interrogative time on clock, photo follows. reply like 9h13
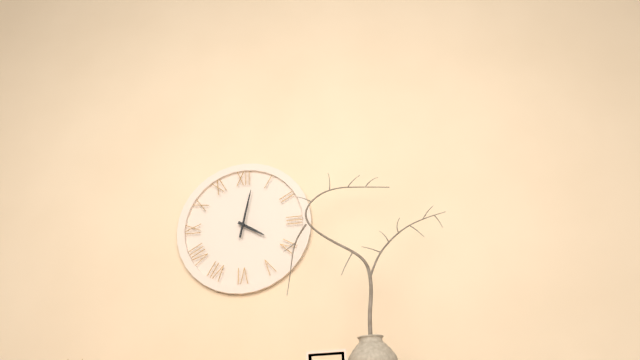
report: 4h02
